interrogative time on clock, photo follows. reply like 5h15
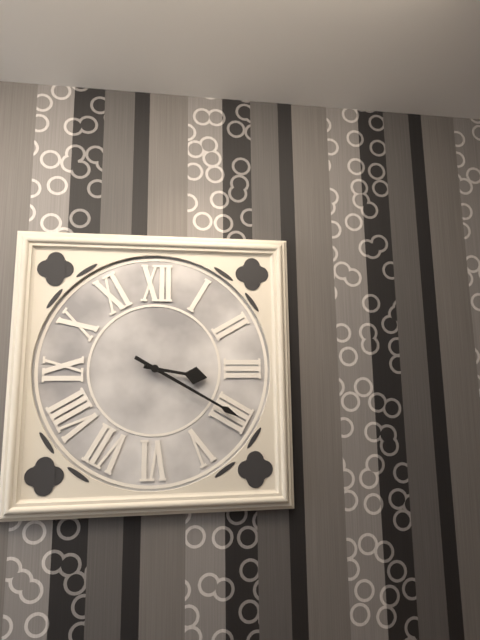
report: 3h20
